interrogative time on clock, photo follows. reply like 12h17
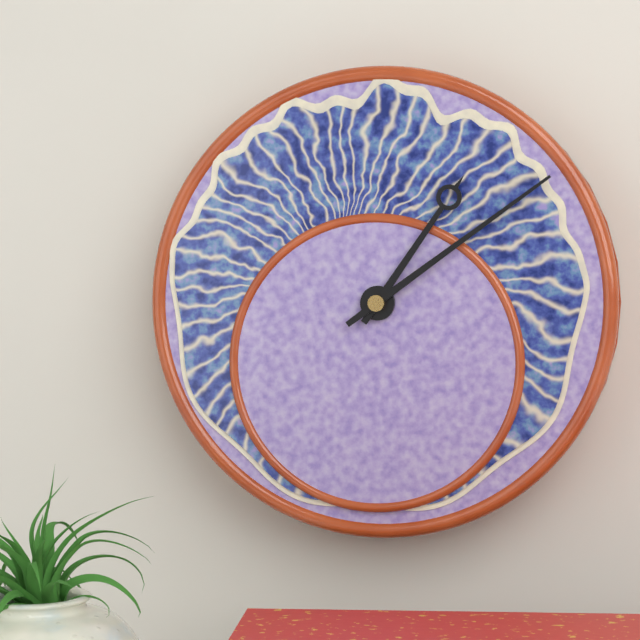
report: 1h09
